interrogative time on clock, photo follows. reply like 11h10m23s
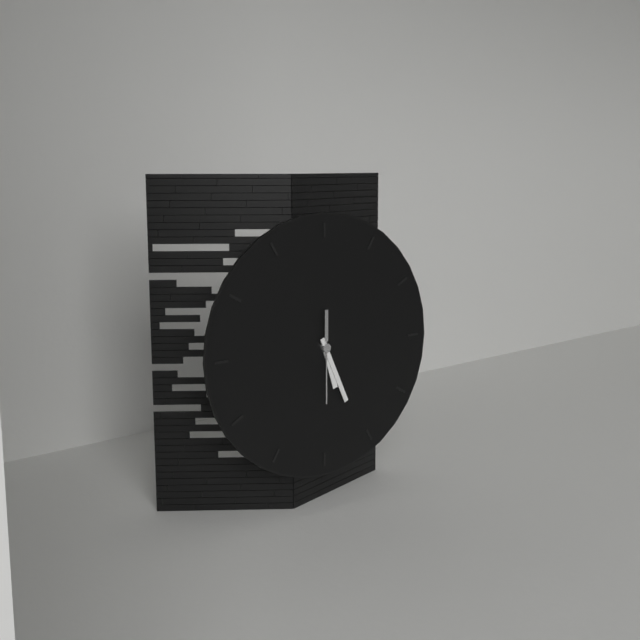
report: 5h26m30s
